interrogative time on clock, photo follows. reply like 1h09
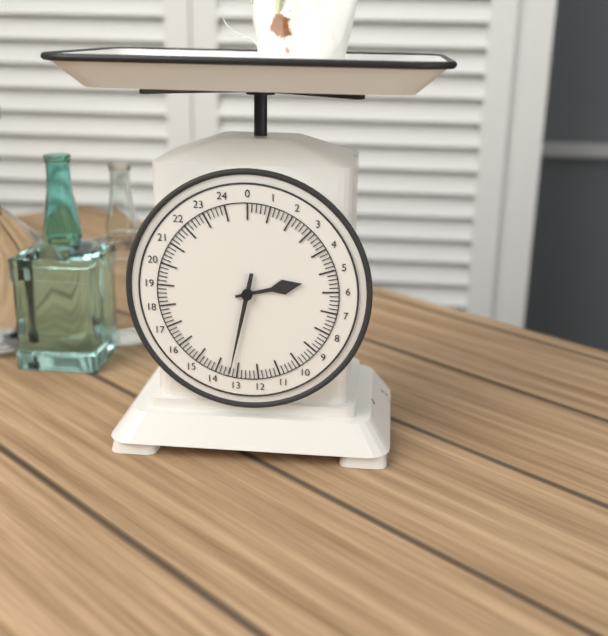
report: 2h32
